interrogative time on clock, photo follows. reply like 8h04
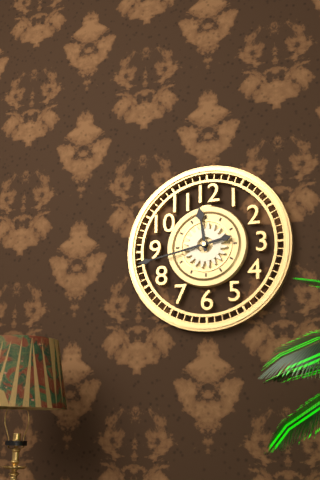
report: 11h43
